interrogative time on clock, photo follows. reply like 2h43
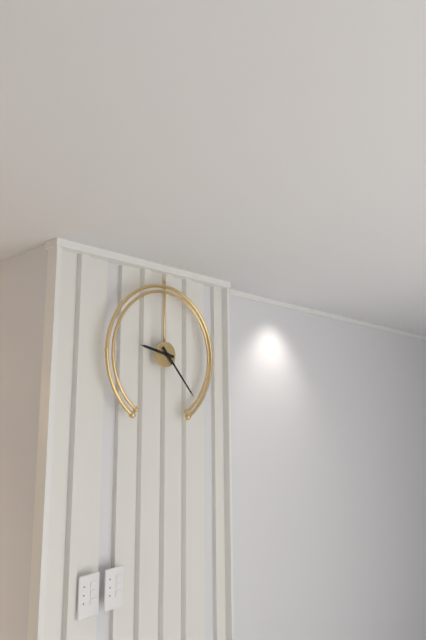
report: 9h23
